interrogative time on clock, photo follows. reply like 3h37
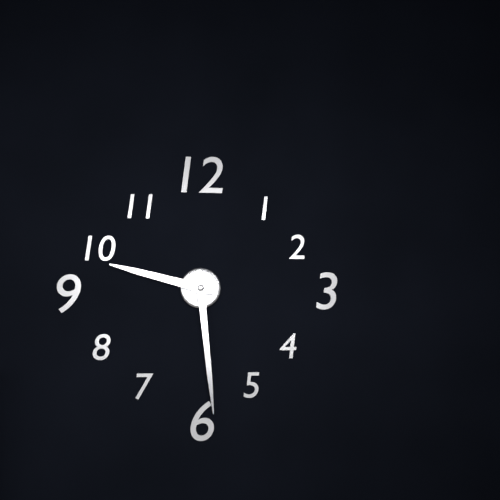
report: 9h29
